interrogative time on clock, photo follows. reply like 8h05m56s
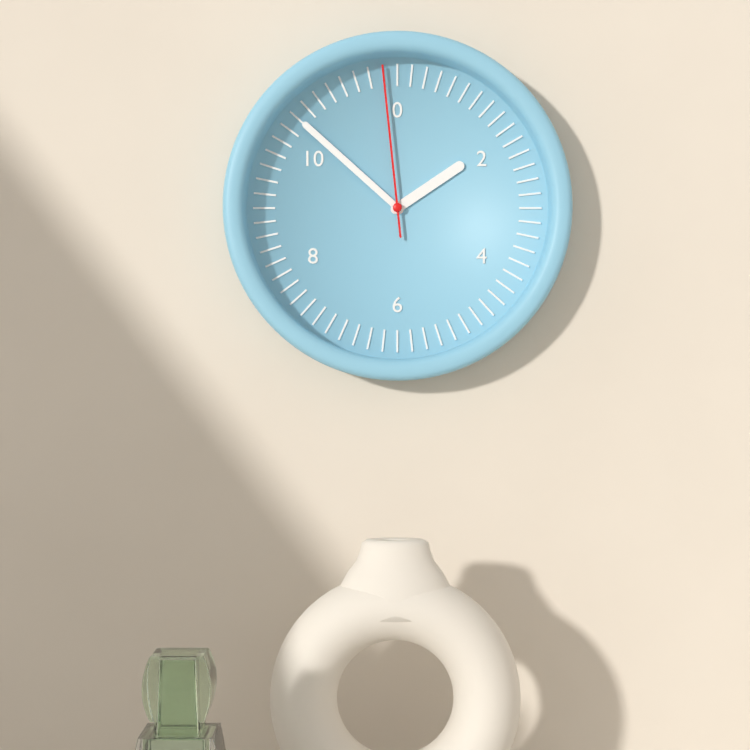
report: 1h52m59s
